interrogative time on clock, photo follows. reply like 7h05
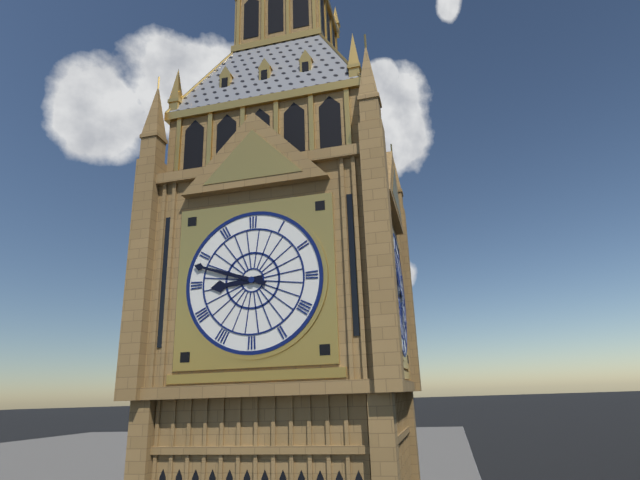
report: 8h48
